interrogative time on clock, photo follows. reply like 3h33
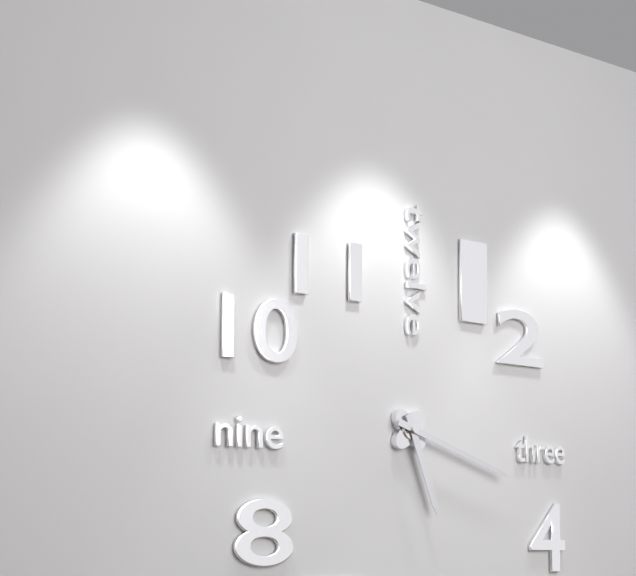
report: 5h18
